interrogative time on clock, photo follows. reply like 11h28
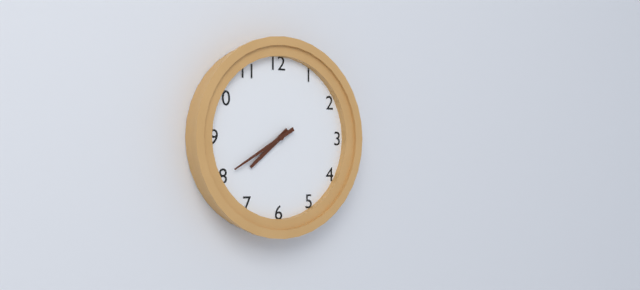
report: 7h40
